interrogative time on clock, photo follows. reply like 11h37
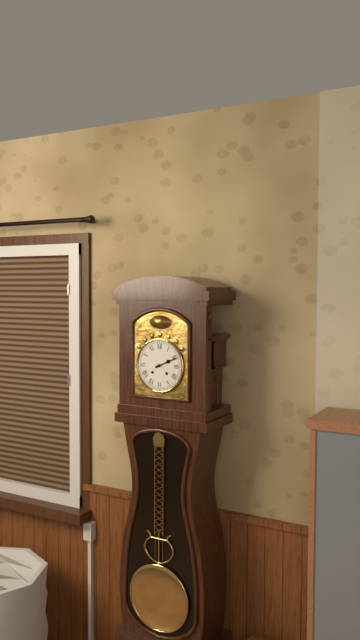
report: 2h11
